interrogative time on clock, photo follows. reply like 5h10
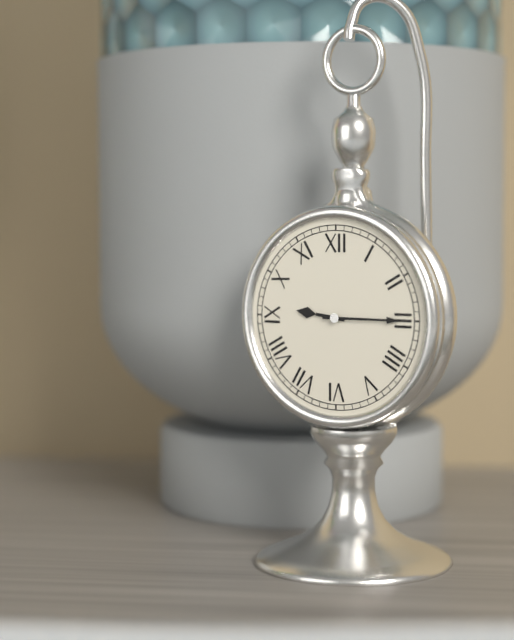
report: 9h15
